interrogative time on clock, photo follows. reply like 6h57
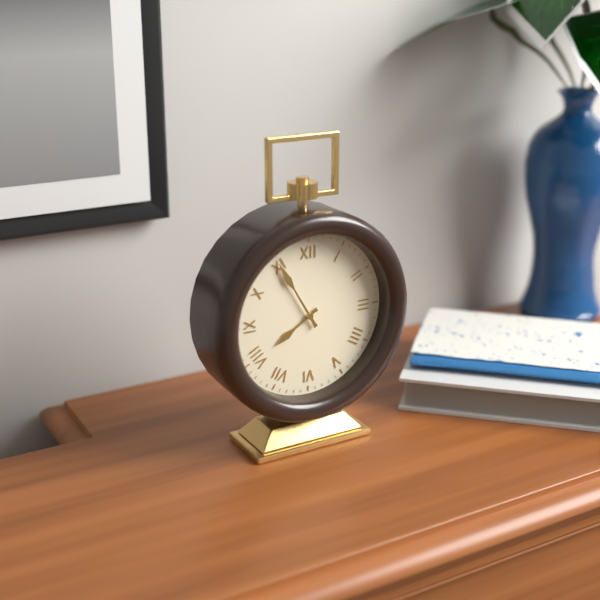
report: 7h55
